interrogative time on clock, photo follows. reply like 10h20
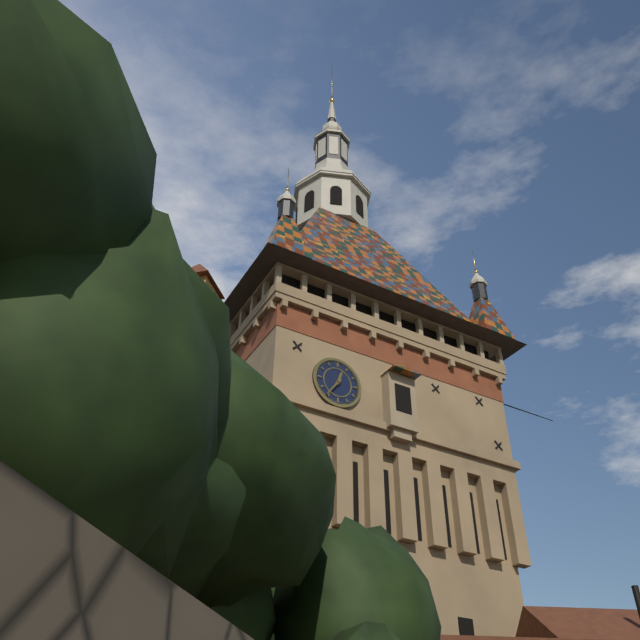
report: 12h36
